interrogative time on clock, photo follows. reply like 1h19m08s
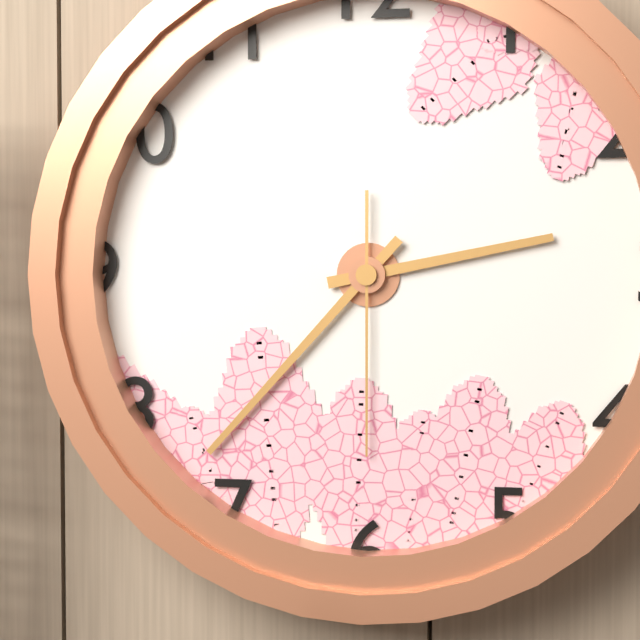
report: 2h37m30s
